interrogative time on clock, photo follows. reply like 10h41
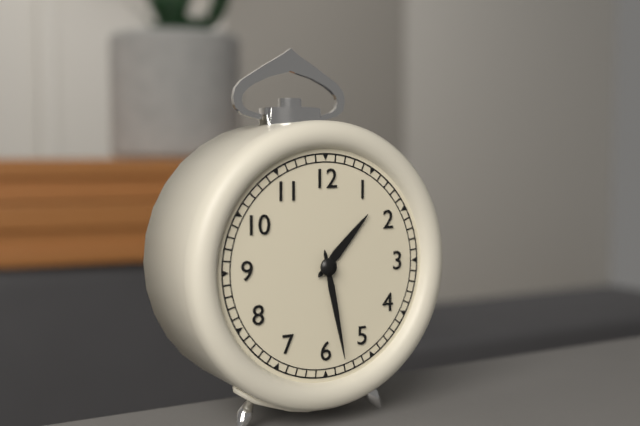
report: 1h28
